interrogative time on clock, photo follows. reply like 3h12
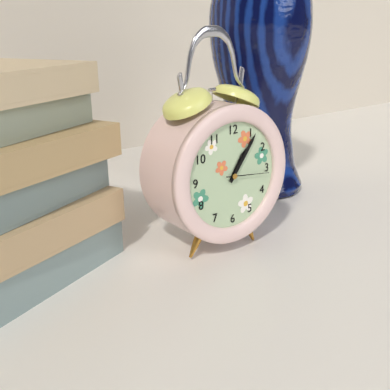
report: 1h06
